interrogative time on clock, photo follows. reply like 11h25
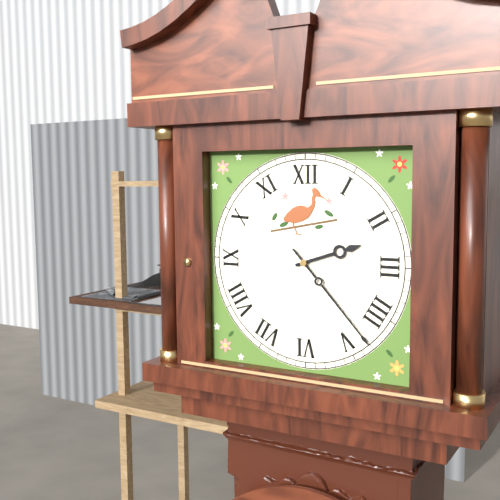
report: 2h23
